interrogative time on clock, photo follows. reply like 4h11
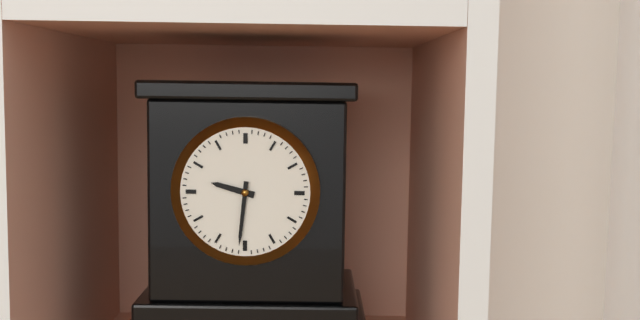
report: 9h31
